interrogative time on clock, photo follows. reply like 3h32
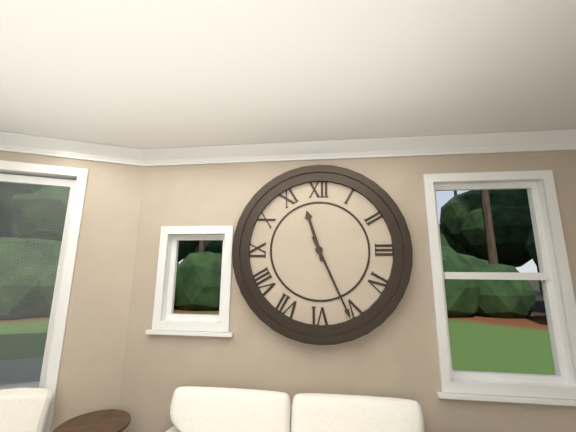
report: 11h26
